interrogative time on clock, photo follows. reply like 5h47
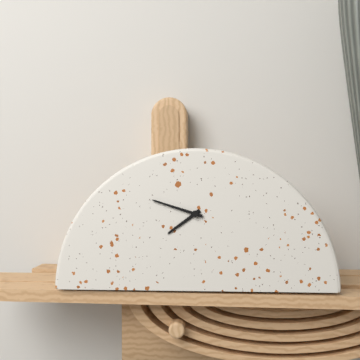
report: 7h48
